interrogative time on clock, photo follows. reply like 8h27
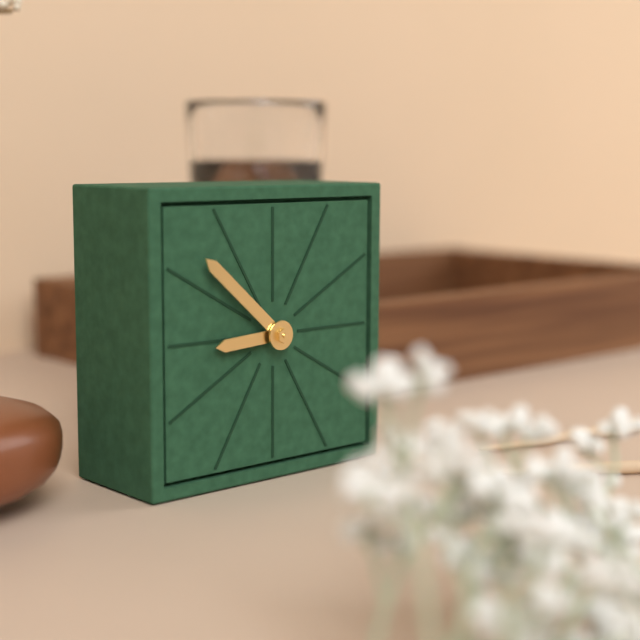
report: 8h52
